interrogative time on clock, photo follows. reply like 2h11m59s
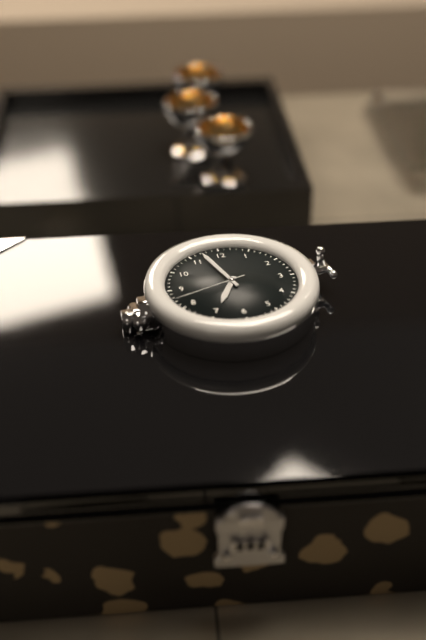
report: 6h57m42s
